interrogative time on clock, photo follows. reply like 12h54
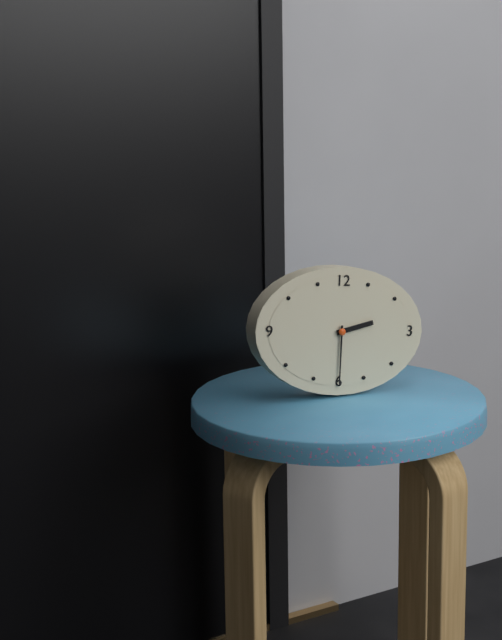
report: 2h30
